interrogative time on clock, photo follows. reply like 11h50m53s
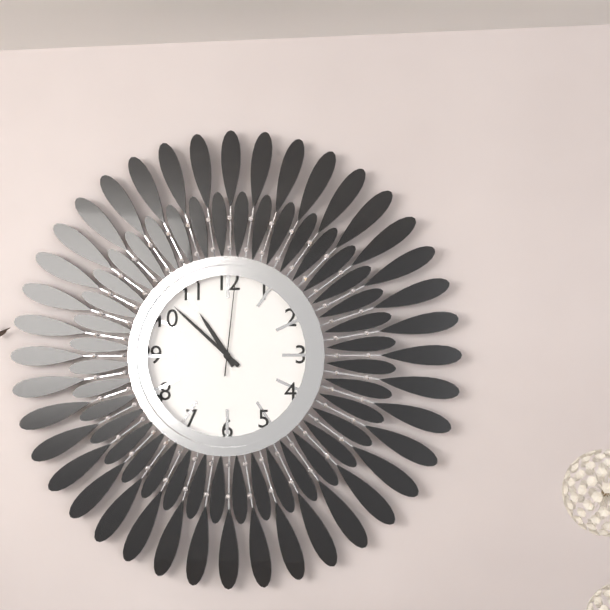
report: 10h52m01s
